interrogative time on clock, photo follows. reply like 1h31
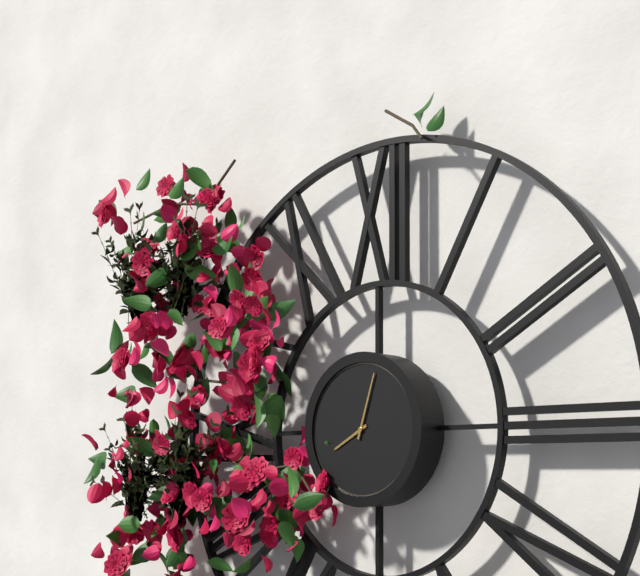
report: 8h03
